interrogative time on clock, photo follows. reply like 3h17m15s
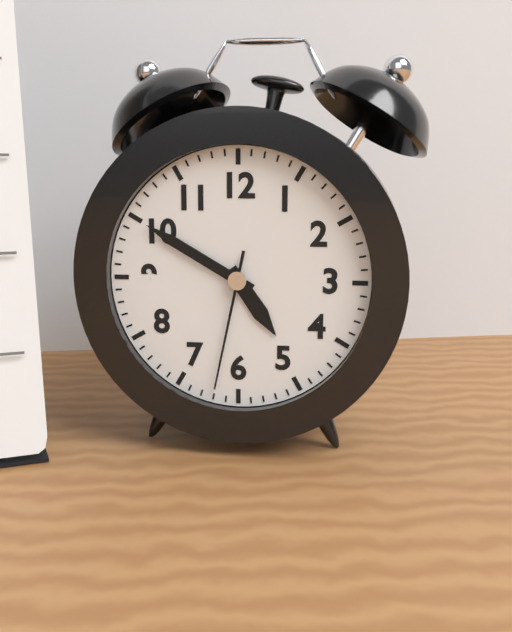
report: 4h50m32s
